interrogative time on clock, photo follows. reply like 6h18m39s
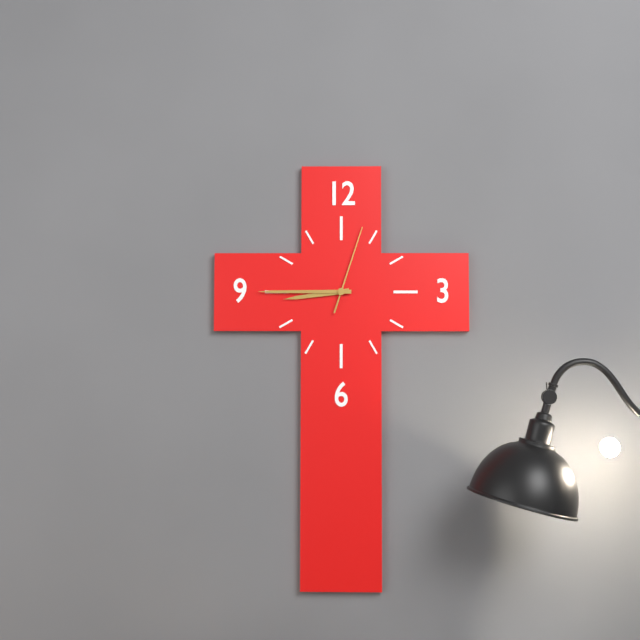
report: 8h45m03s
